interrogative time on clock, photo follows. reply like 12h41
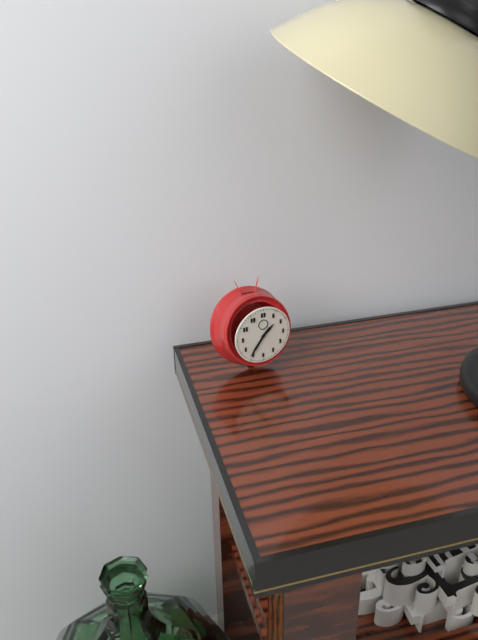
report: 1h36
